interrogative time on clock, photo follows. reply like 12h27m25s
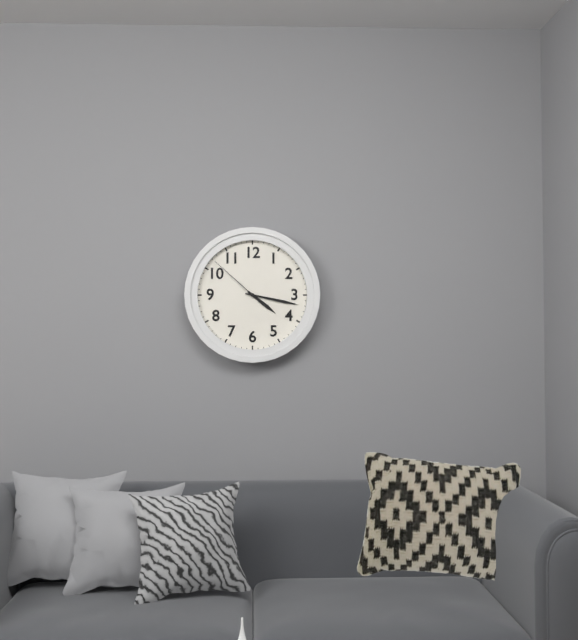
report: 4h17m52s
